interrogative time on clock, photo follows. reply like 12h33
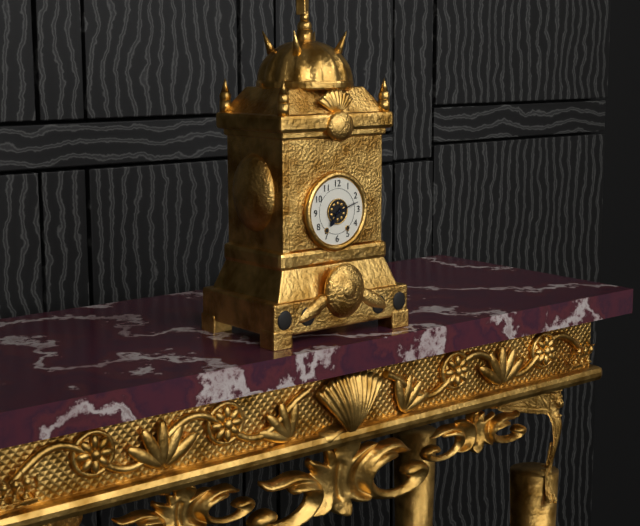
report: 7h12
